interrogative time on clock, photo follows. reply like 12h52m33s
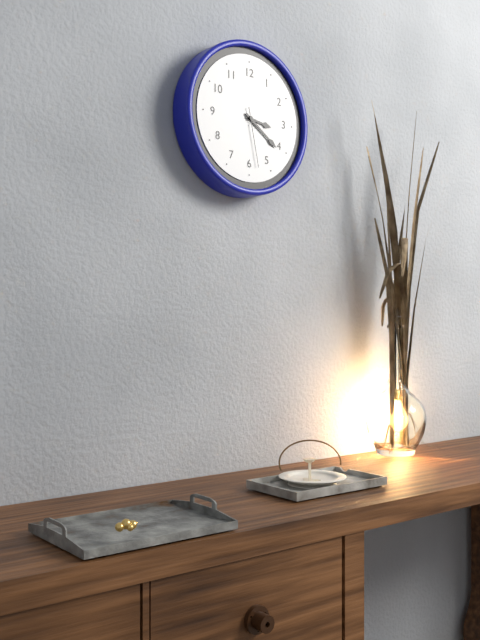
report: 3h21m28s
